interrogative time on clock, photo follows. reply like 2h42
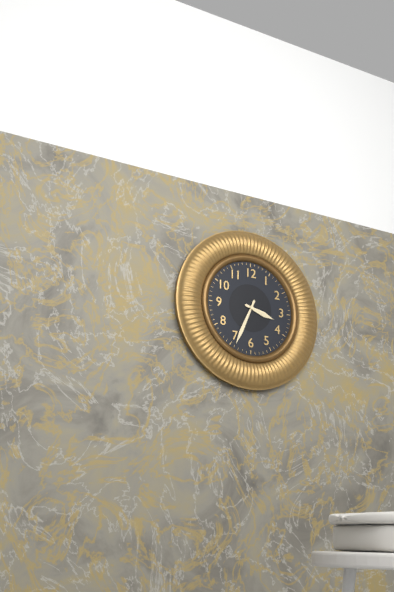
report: 3h34
